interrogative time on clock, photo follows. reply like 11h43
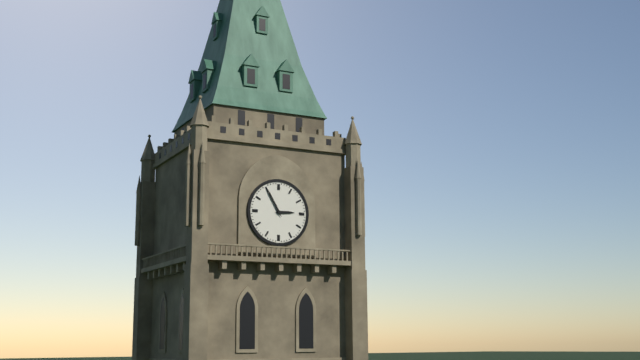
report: 2h55
